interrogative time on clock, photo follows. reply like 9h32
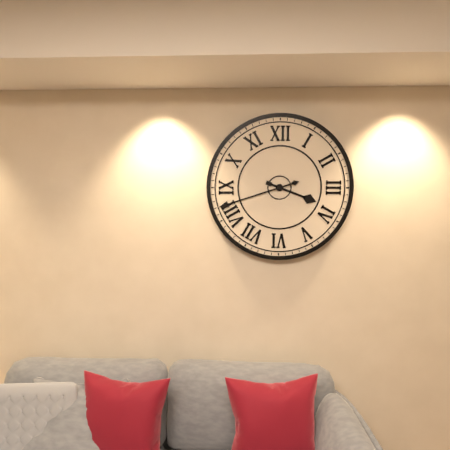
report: 3h42
